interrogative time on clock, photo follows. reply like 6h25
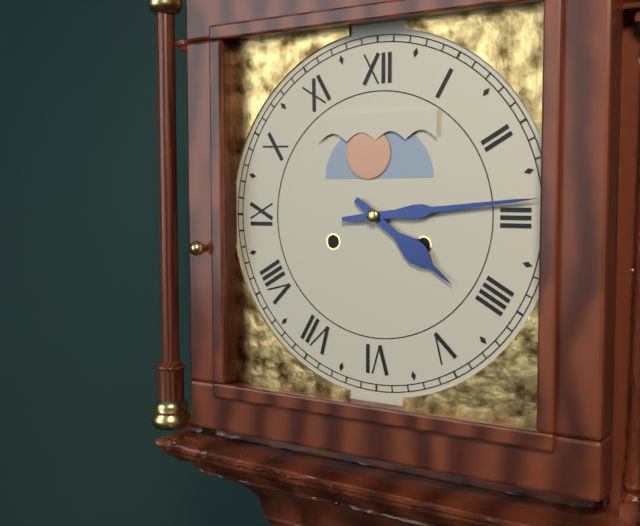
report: 4h14
